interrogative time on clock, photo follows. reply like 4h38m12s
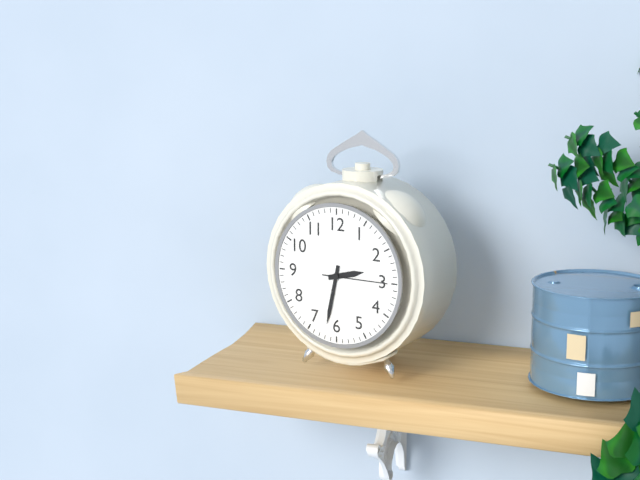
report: 2h32m15s
